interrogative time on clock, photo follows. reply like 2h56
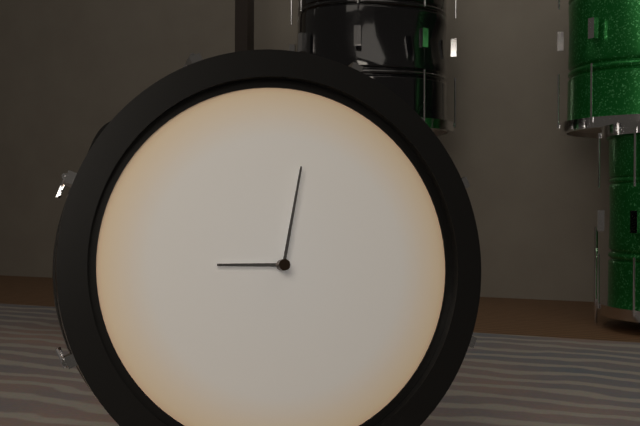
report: 9h02
